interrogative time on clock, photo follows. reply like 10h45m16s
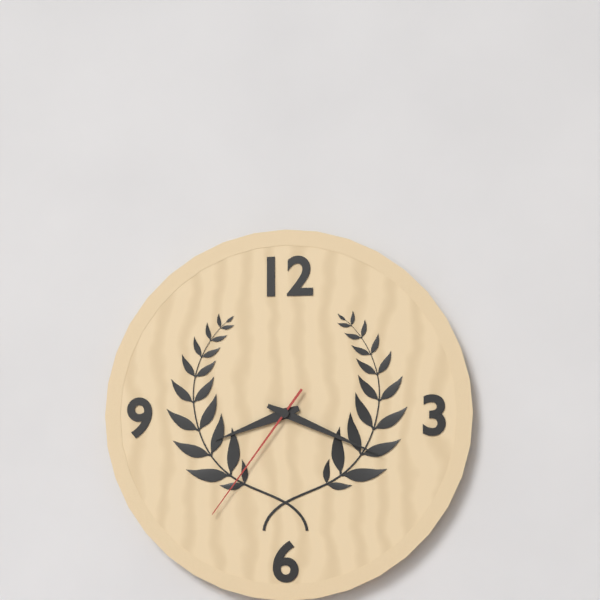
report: 8h19m36s
